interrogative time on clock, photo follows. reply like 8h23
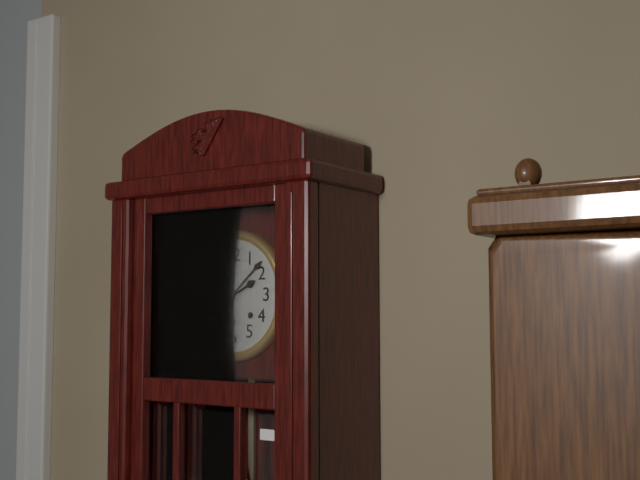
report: 2h08
